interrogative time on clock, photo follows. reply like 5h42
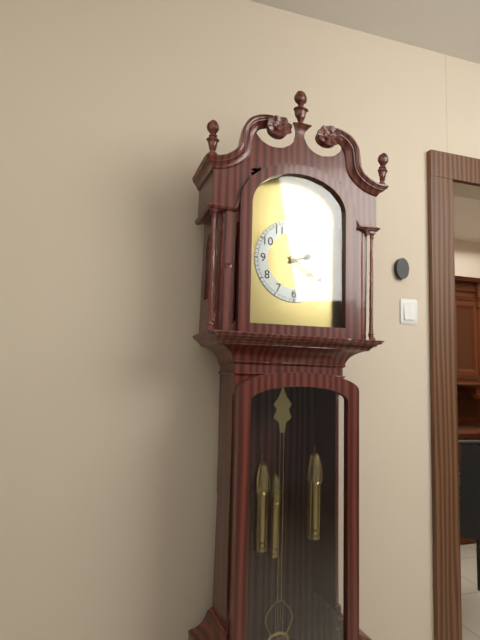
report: 2h21
